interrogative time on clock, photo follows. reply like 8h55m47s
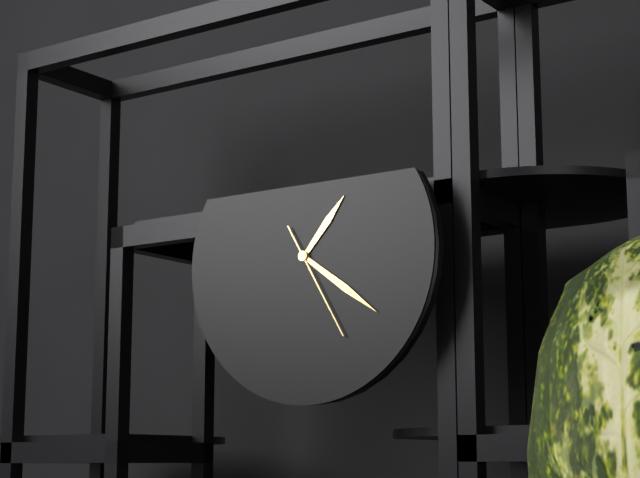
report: 1h21m25s
